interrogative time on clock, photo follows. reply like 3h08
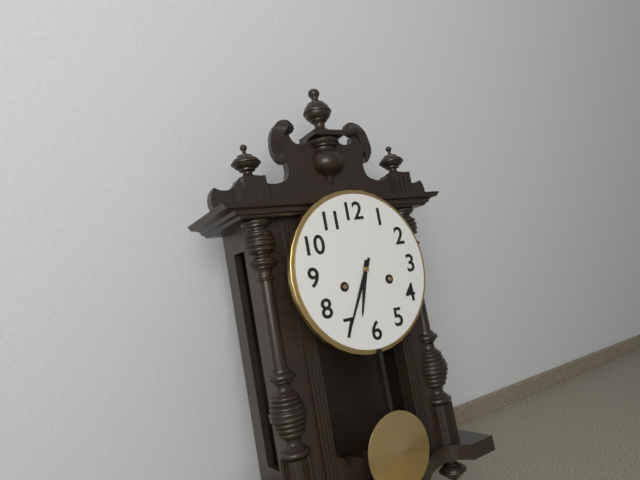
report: 6h35
